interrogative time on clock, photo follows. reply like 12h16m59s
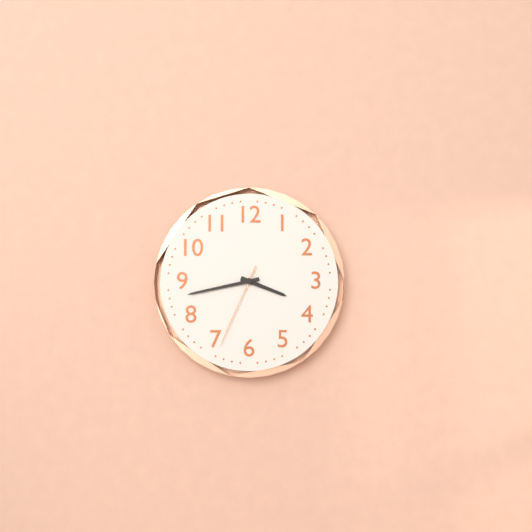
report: 3h43m34s
